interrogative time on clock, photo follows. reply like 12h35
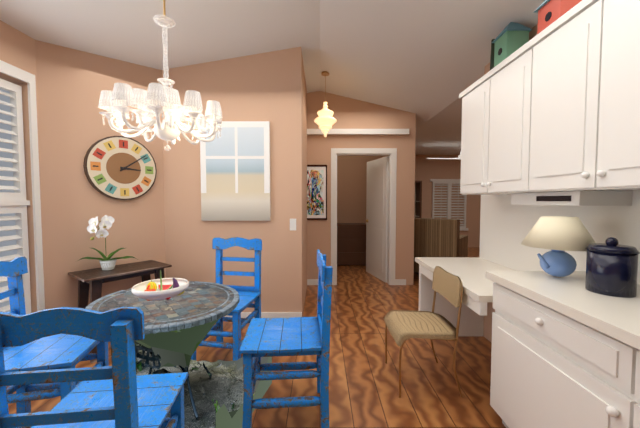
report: 3h09
